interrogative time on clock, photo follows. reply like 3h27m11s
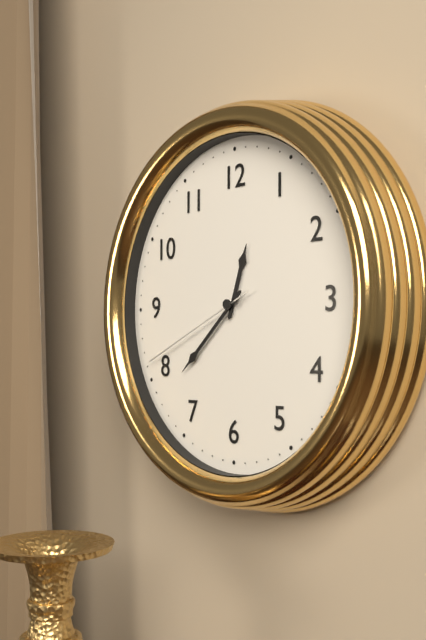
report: 12h38m41s
